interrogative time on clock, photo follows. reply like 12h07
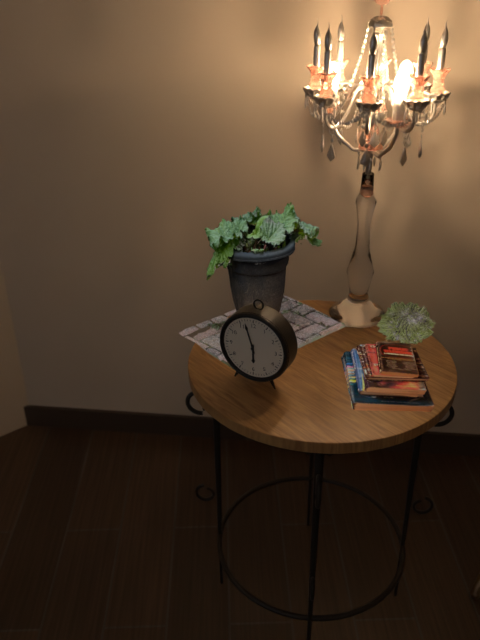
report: 5h57
